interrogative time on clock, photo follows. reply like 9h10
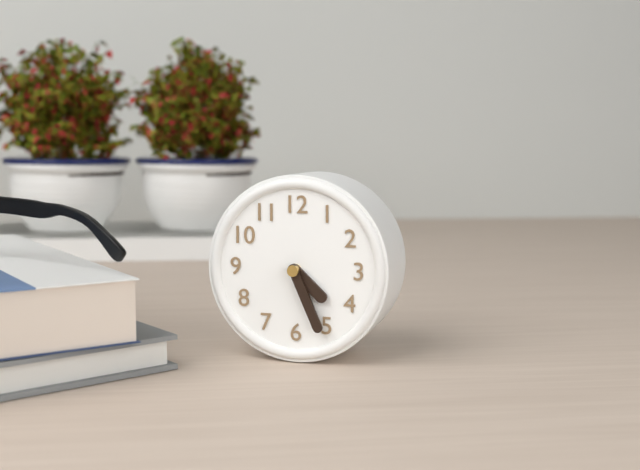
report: 4h26
